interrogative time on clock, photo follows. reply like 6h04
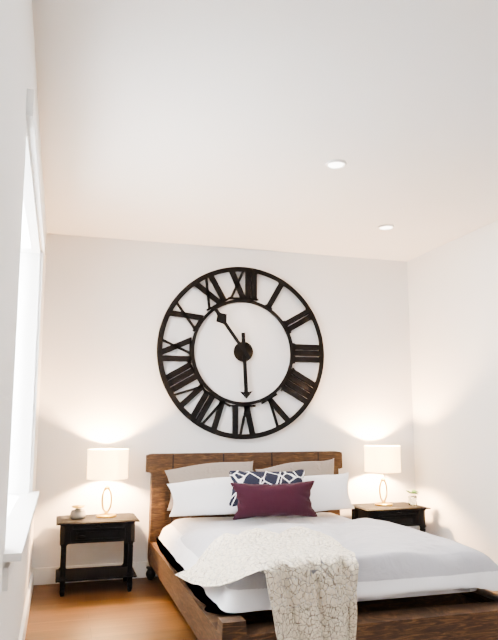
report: 5h54
